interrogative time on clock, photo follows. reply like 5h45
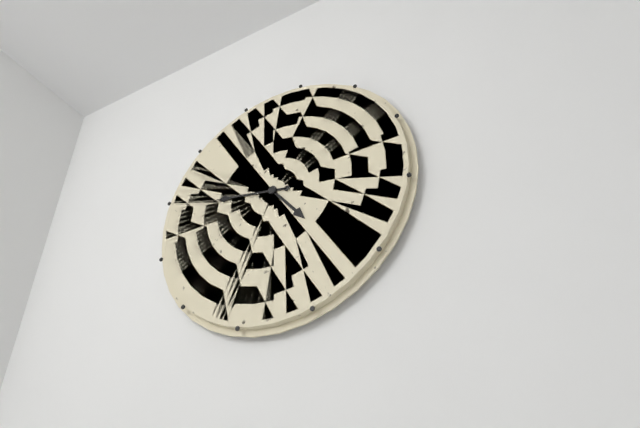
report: 4h47
